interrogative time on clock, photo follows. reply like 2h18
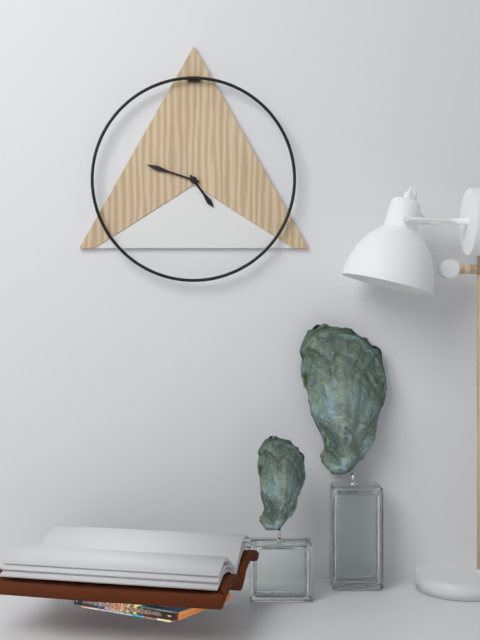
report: 4h48
